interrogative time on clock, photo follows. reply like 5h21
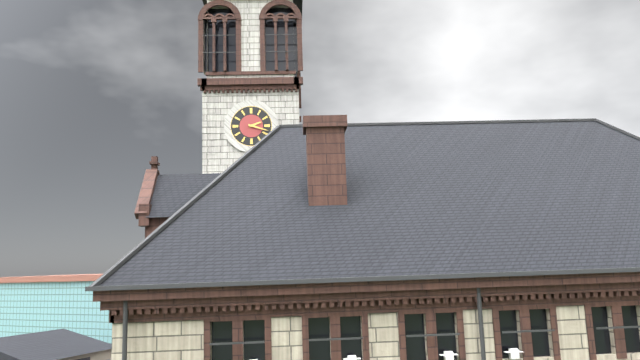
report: 2h18
